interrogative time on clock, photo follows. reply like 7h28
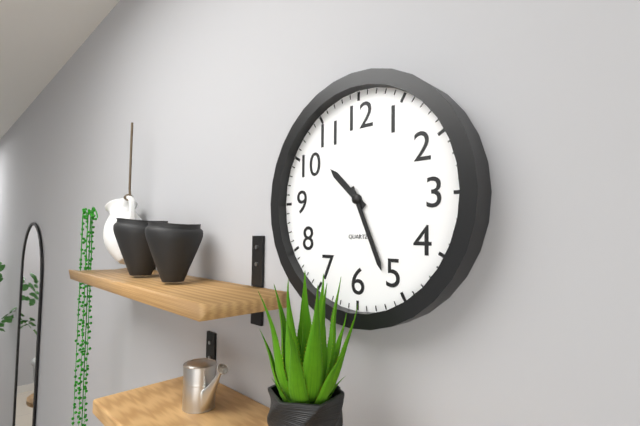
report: 10h26
